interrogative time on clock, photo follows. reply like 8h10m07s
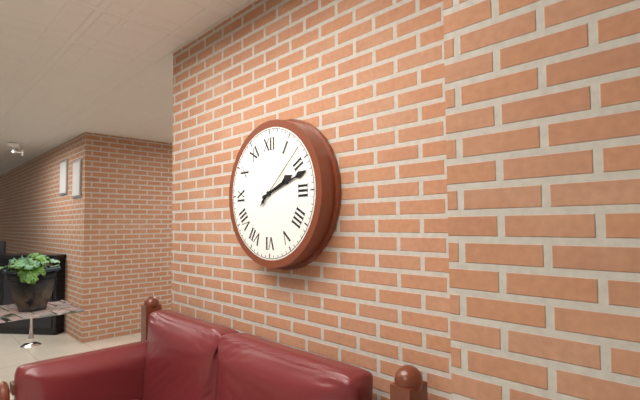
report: 2h12m08s
